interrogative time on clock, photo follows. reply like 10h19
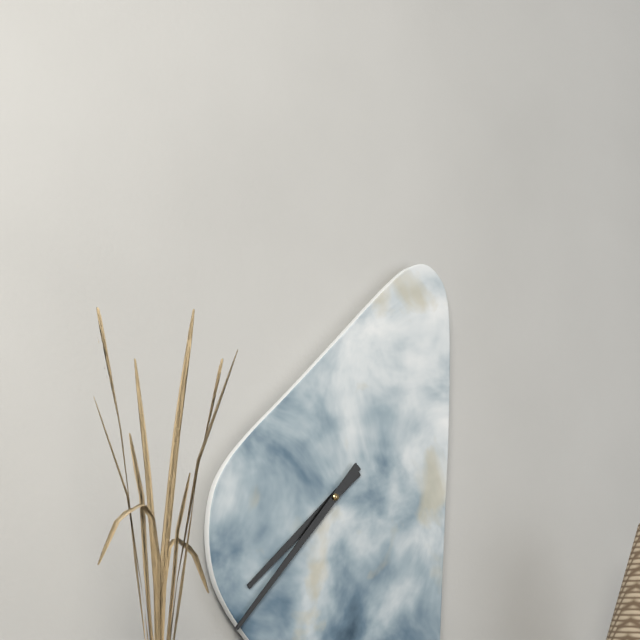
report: 7h37
